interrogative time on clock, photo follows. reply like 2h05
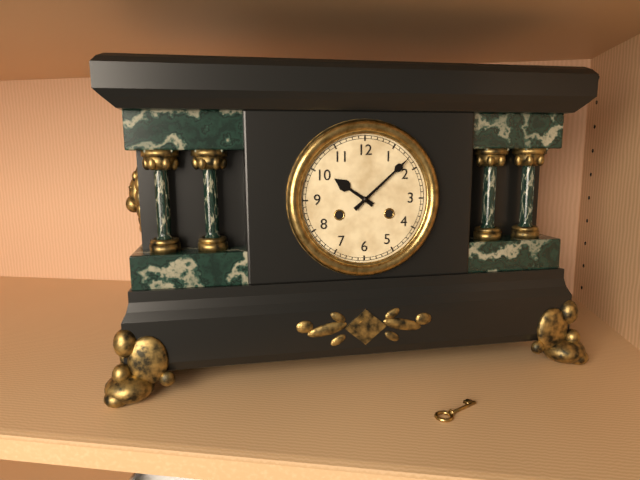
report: 10h08
